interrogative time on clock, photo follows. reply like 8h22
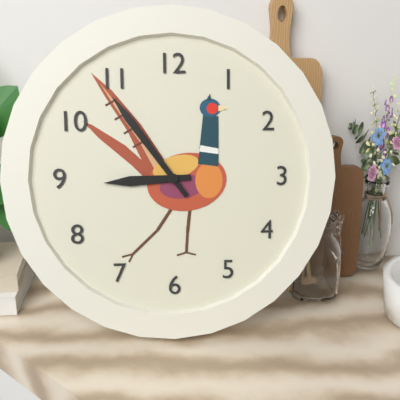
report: 8h54
